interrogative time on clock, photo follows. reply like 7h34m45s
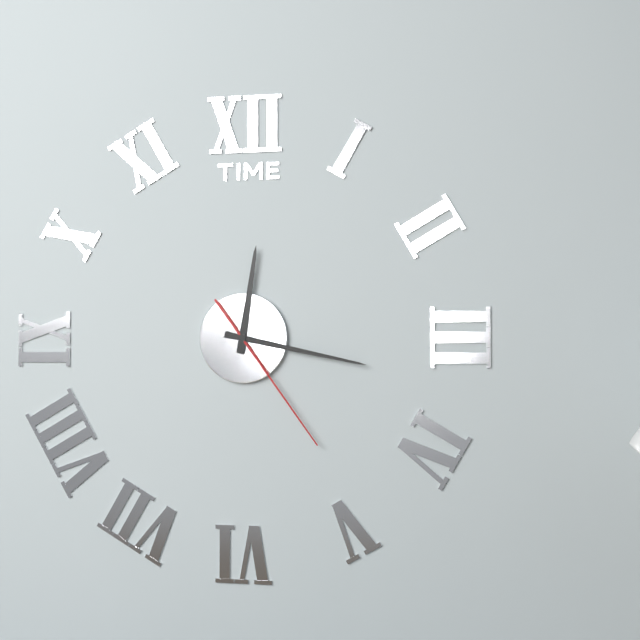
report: 12h17m24s
